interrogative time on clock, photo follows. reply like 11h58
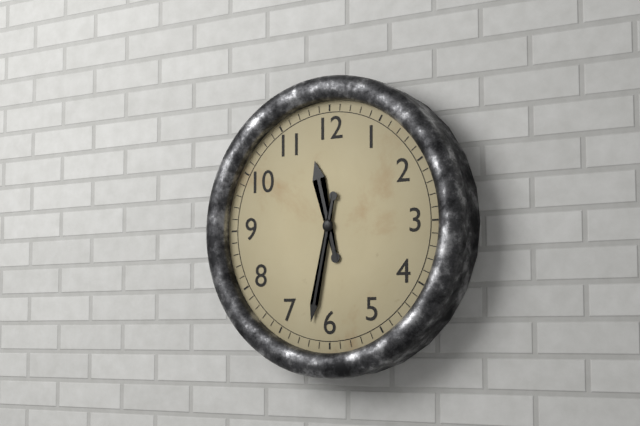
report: 11h32
